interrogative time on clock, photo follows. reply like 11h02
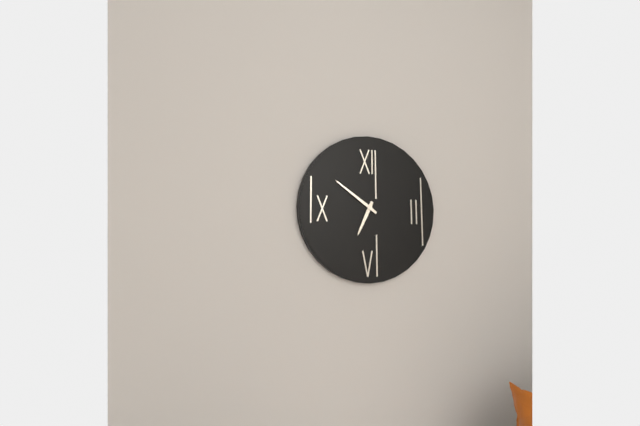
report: 6h51
